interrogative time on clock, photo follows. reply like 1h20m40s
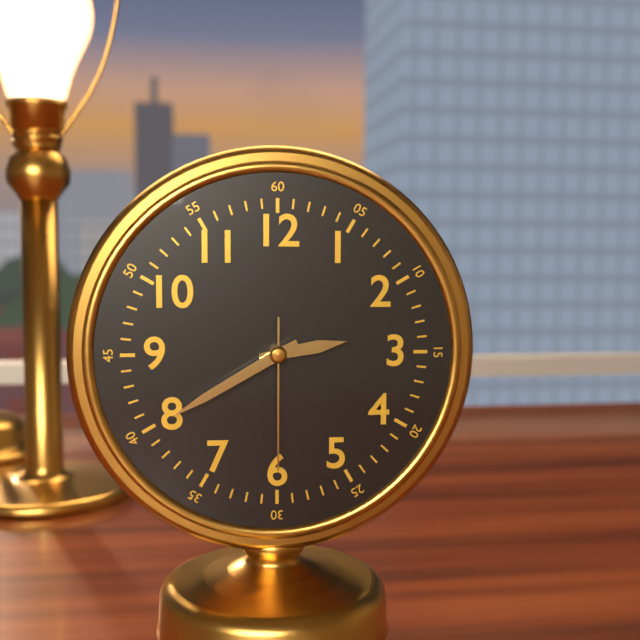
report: 2h40m30s
